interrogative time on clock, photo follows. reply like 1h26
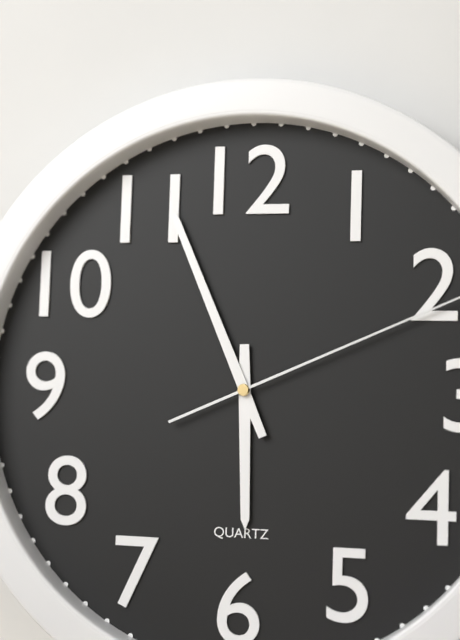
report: 5h56
